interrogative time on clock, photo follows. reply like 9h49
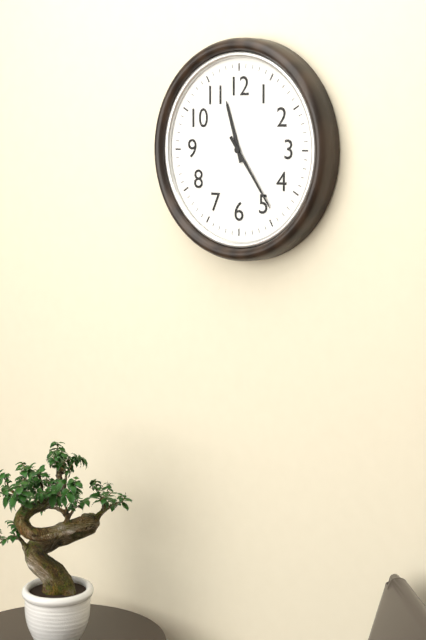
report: 11h24
